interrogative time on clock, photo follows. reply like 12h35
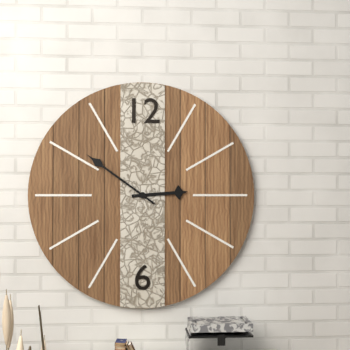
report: 2h51
